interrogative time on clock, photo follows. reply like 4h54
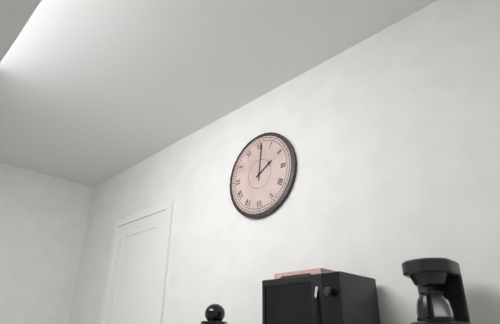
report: 2h01
